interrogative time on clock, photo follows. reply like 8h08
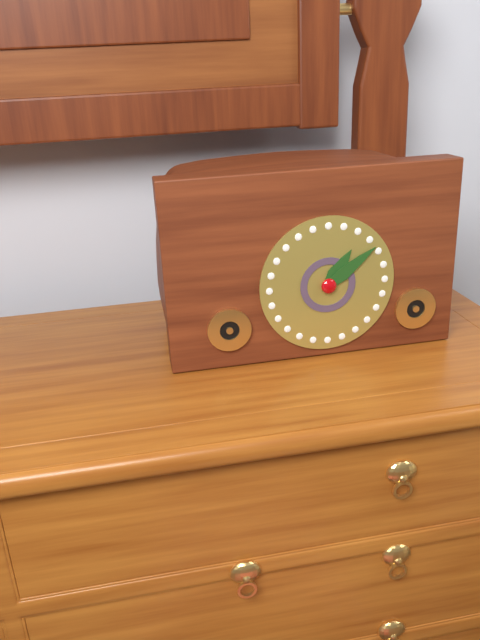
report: 1h09
